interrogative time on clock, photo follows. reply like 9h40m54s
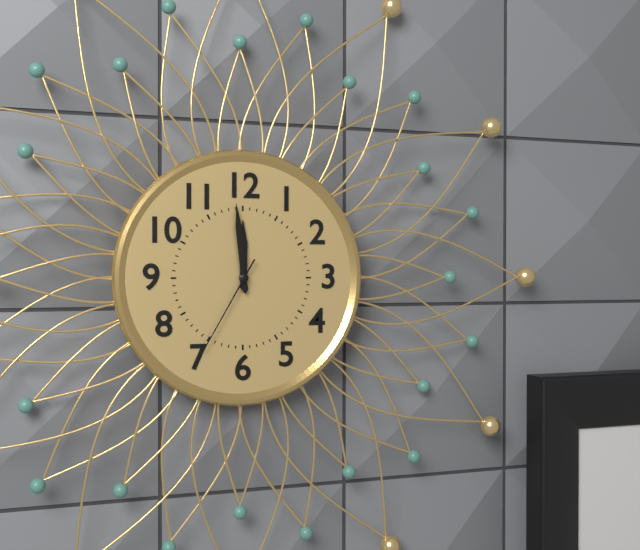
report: 11h59m35s
